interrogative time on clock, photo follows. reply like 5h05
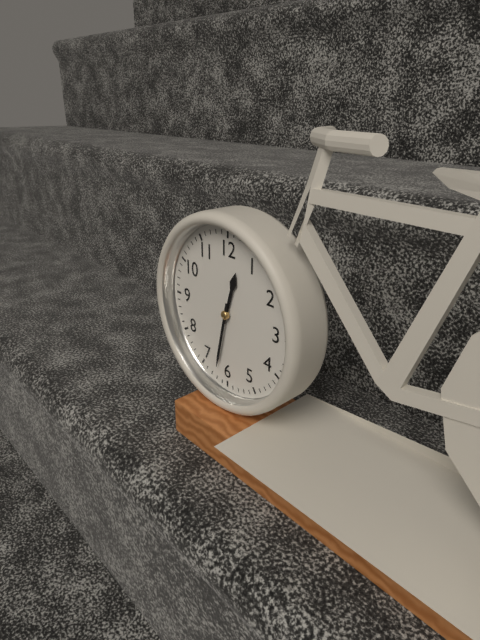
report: 12h32
